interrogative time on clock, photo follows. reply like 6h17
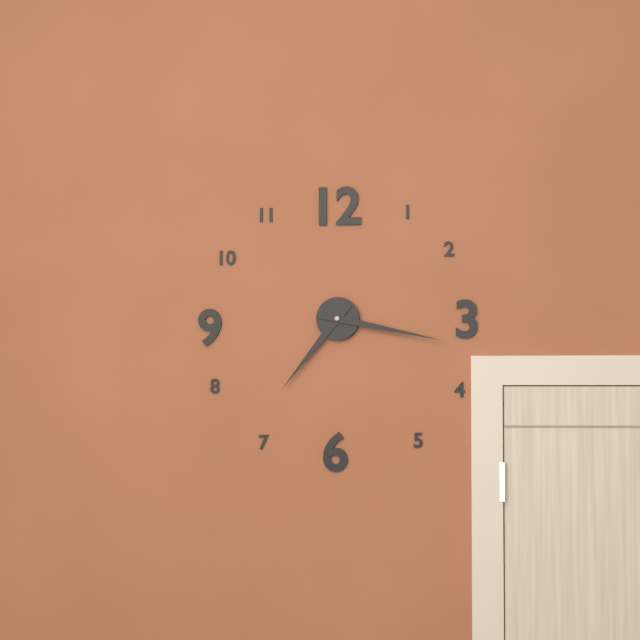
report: 7h17
